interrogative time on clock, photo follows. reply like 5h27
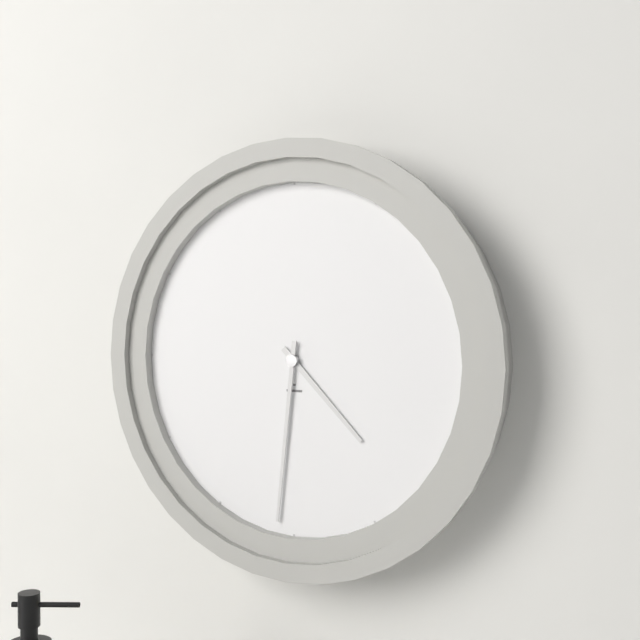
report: 4h31
